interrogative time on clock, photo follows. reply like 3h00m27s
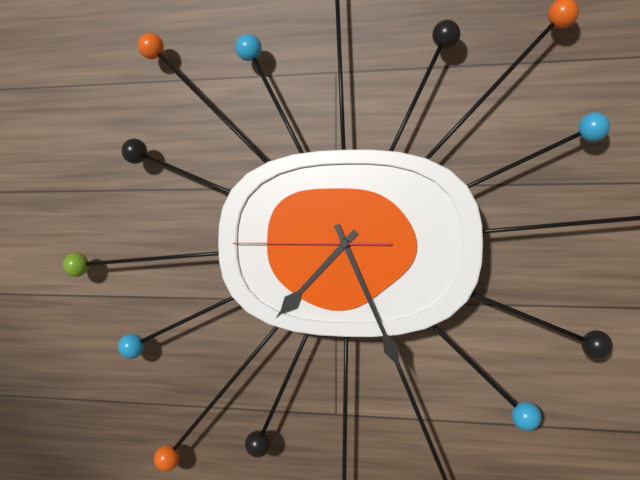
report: 7h26m45s
